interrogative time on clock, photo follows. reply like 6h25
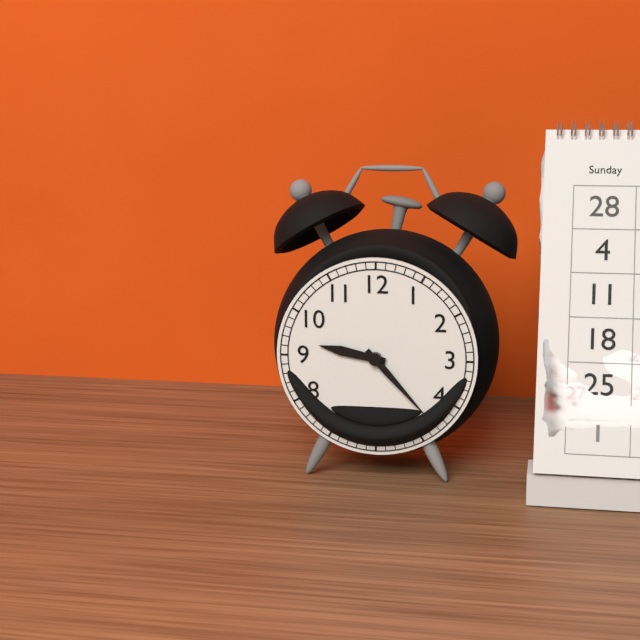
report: 9h23
